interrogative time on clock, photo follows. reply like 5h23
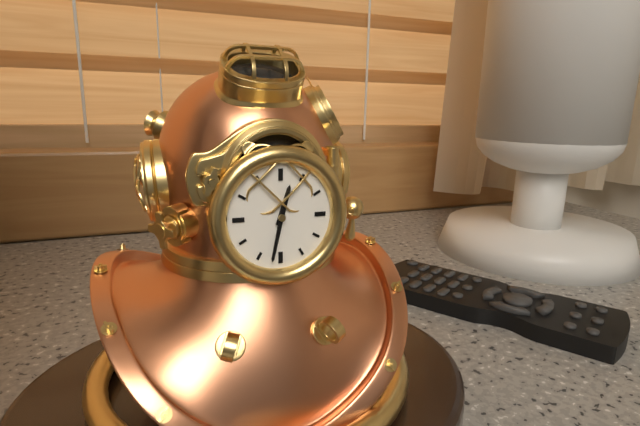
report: 12h32
